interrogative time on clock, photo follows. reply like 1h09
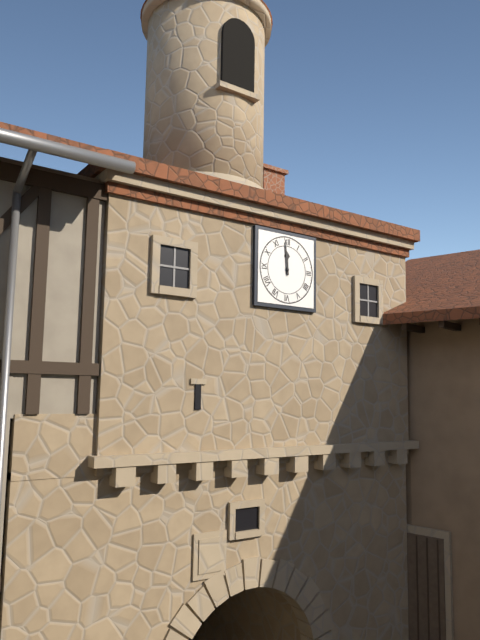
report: 11h59
